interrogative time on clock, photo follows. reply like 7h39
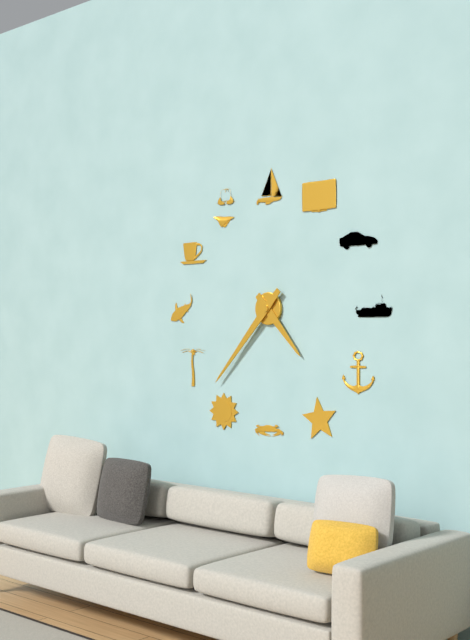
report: 4h37
